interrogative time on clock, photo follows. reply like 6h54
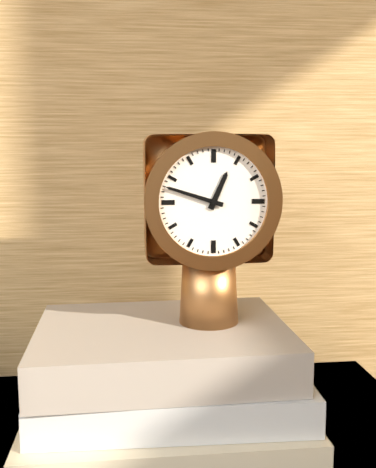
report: 12h48
